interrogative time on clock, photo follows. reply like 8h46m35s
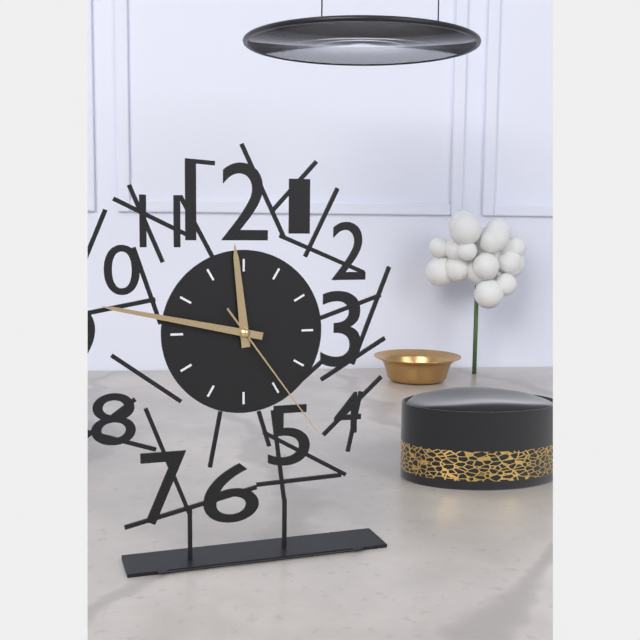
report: 11h47m24s
